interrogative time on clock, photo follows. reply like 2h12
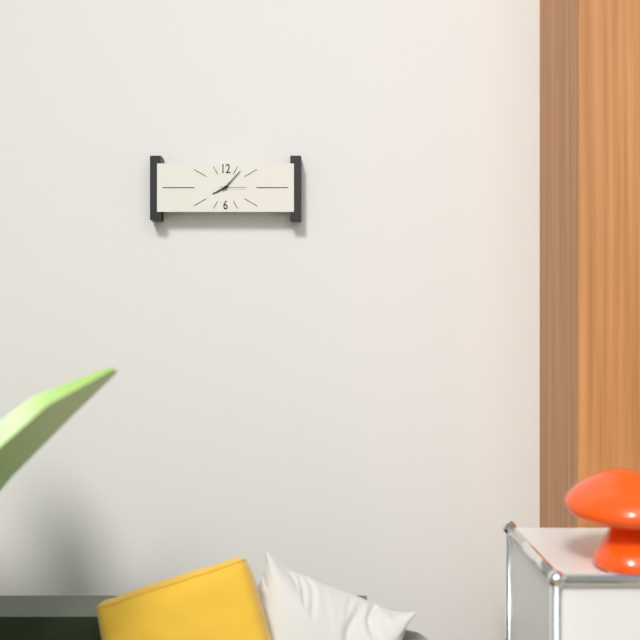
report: 8h07
